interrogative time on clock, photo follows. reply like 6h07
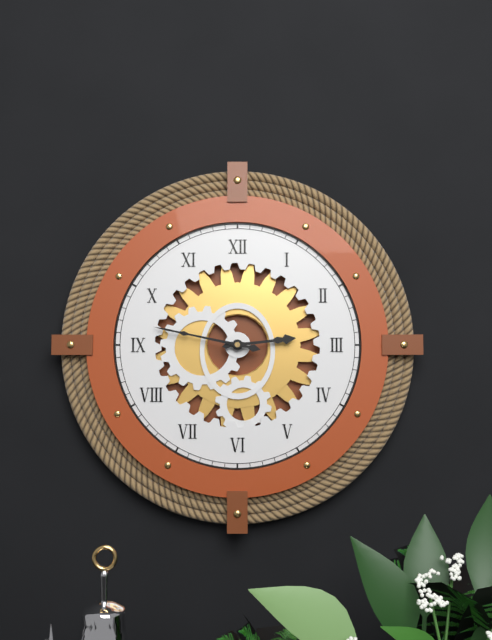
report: 2h47
